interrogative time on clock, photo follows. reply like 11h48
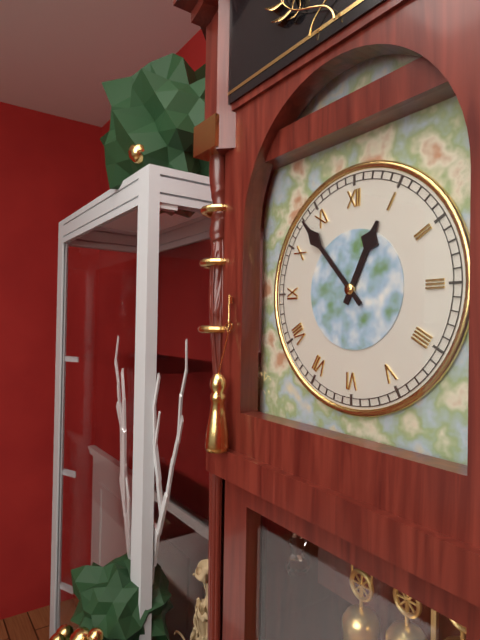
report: 12h53
